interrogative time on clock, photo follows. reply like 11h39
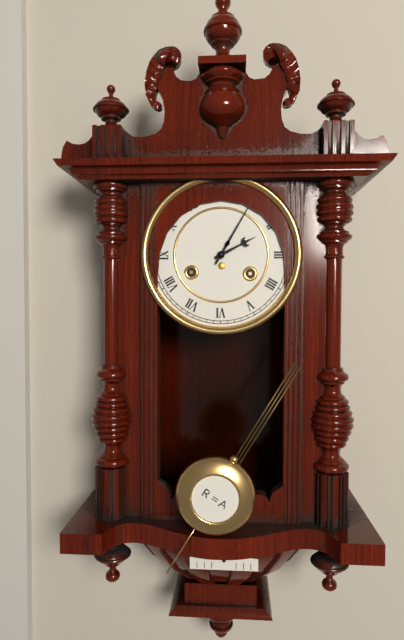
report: 2h05
